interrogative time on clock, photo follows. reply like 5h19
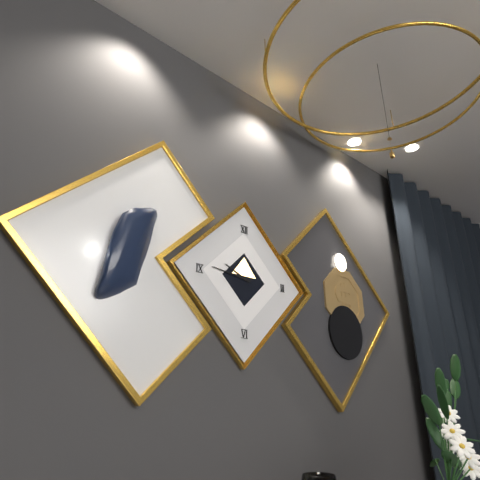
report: 9h46
